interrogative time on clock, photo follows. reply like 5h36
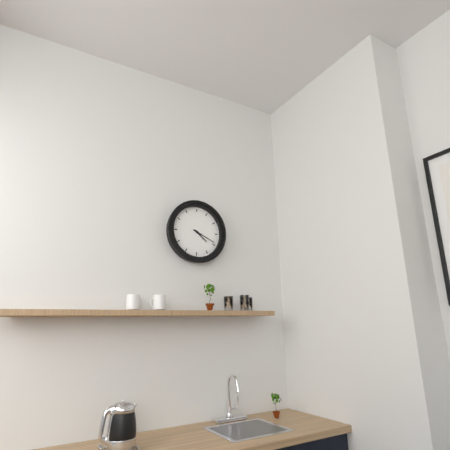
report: 4h19
